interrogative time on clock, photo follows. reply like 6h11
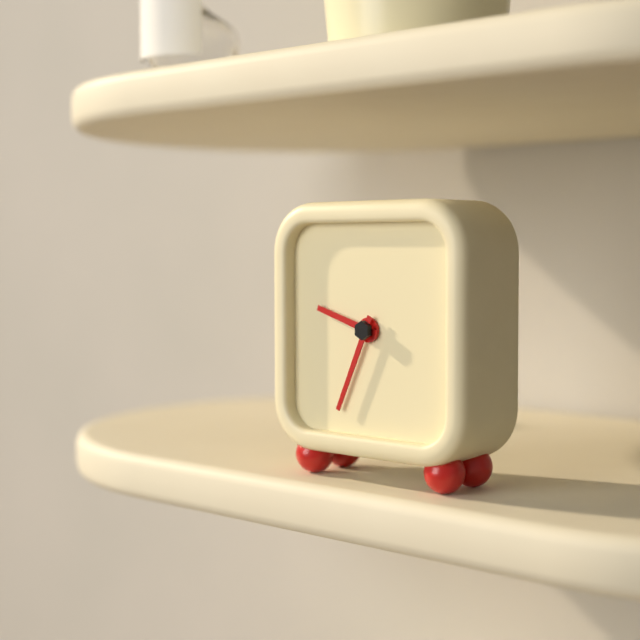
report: 9h34
